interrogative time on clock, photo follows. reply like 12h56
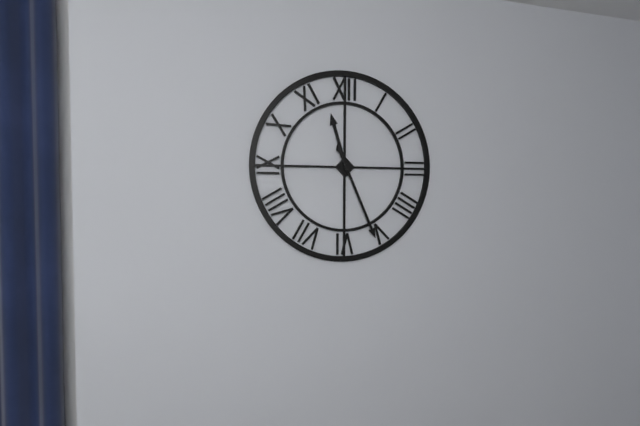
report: 11h26
